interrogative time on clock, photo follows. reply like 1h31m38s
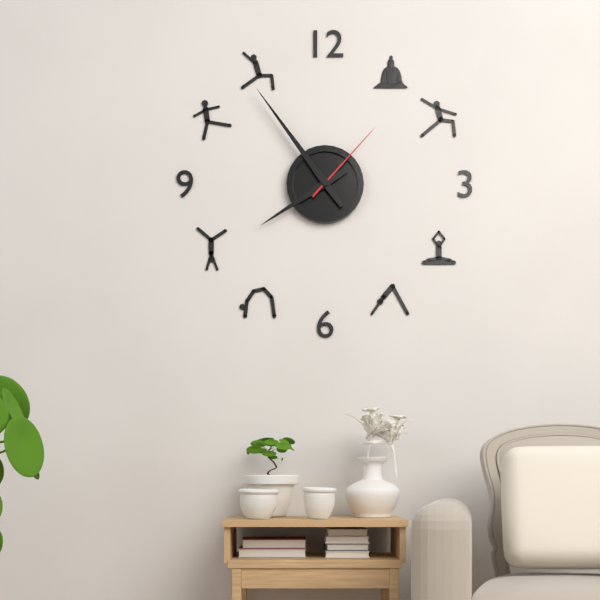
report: 7h54m07s
